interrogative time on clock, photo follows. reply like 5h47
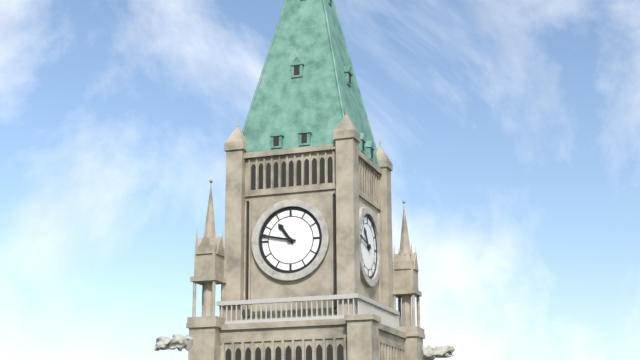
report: 10h47
